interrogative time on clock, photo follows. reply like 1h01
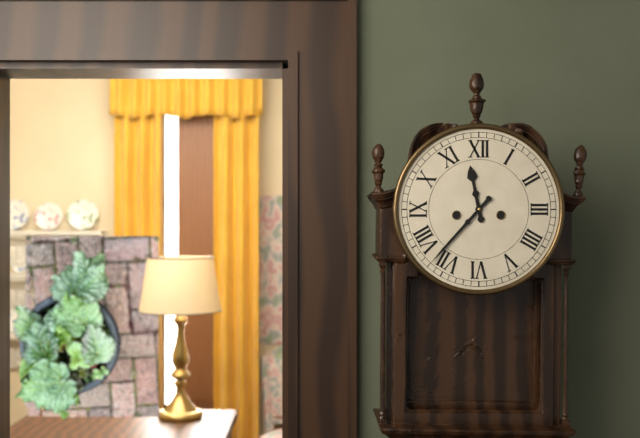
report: 11h37
